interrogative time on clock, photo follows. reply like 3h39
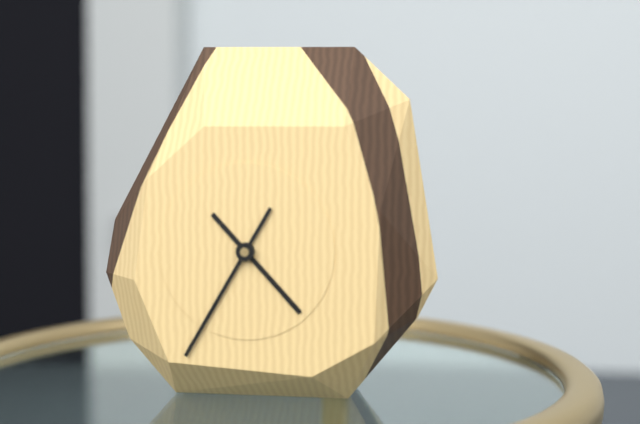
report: 4h35
